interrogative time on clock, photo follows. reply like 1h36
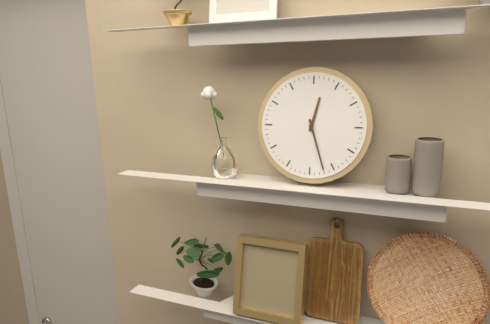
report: 12h27
